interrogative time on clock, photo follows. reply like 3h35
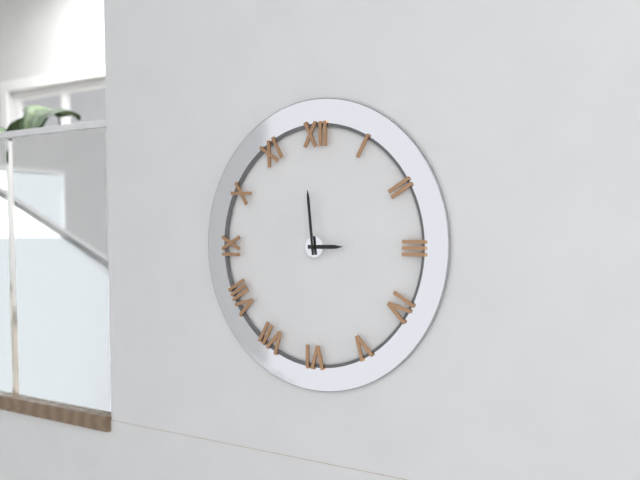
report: 2h59
